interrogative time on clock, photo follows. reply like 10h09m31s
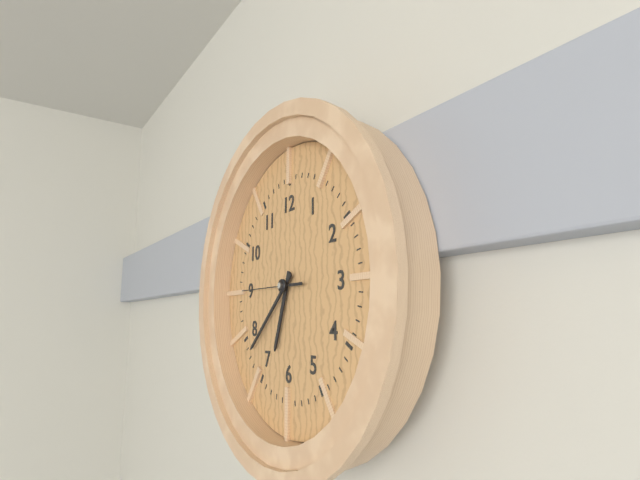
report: 6h38m45s
